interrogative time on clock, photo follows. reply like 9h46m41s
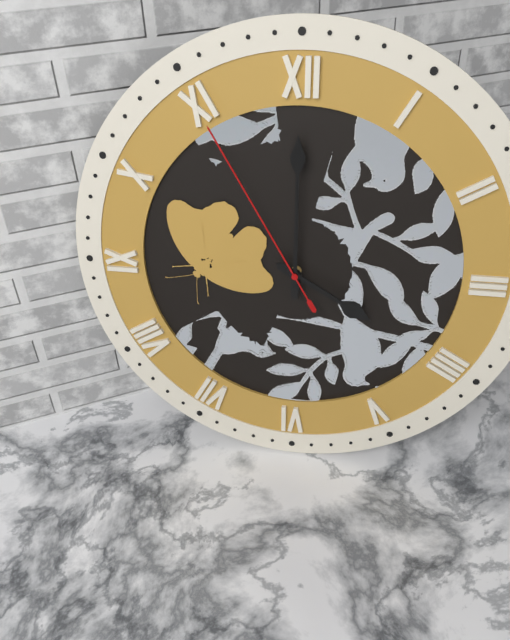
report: 4h00m55s
